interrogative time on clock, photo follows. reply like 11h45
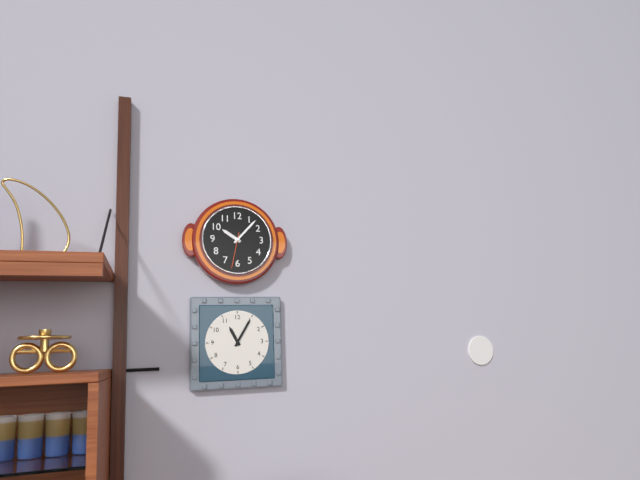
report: 10h07
